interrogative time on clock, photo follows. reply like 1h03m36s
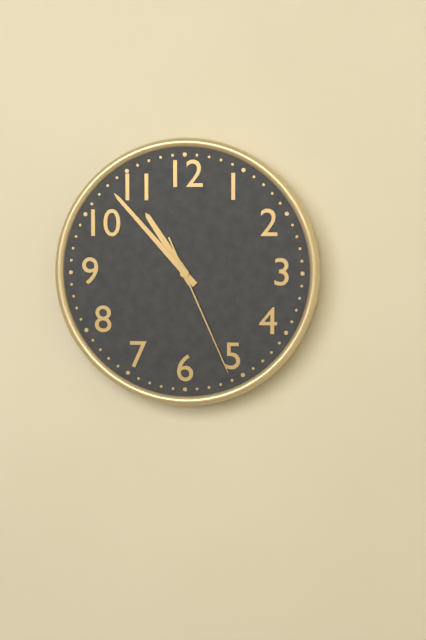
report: 10h53m26s
